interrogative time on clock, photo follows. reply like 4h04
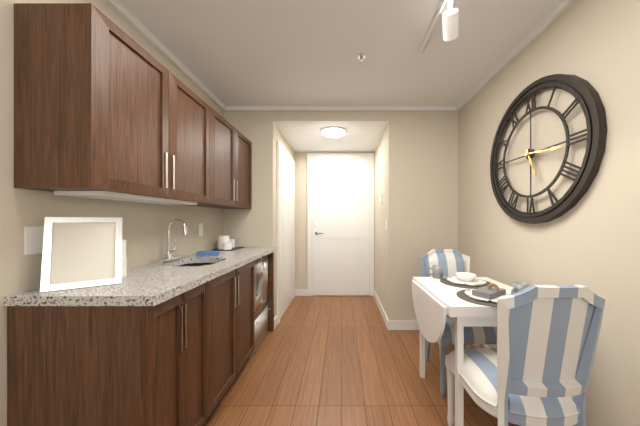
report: 5h16
